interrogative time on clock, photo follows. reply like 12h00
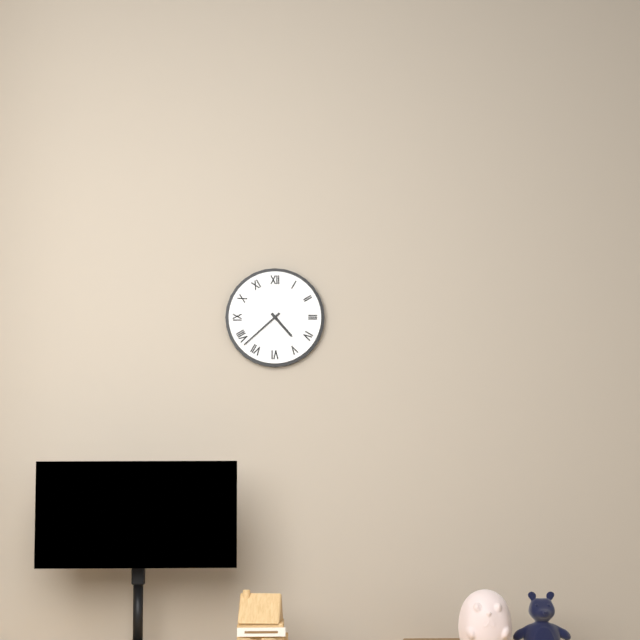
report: 4h38
